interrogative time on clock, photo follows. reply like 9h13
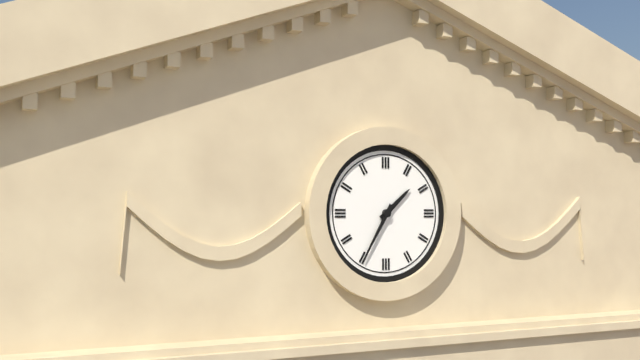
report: 1h35
